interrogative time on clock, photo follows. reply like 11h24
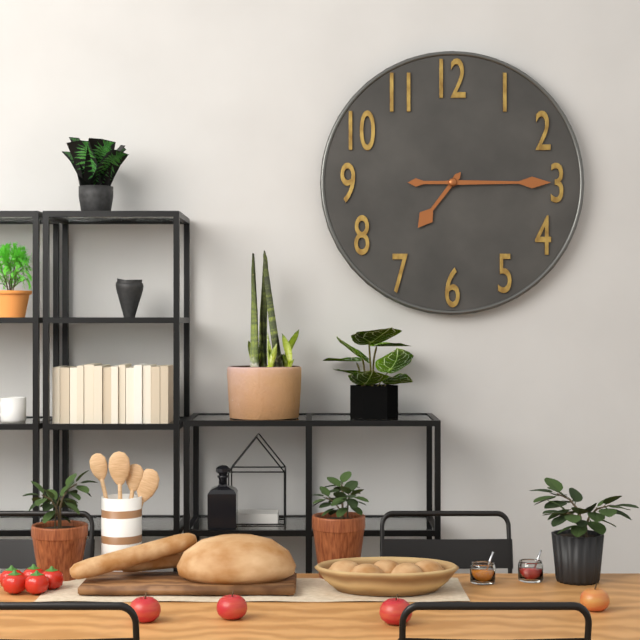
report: 7h15
